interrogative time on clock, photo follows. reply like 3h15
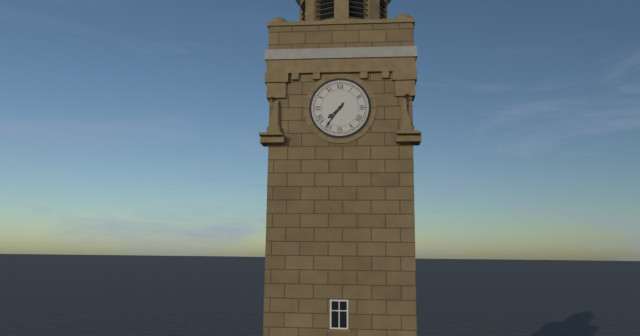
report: 7h36
